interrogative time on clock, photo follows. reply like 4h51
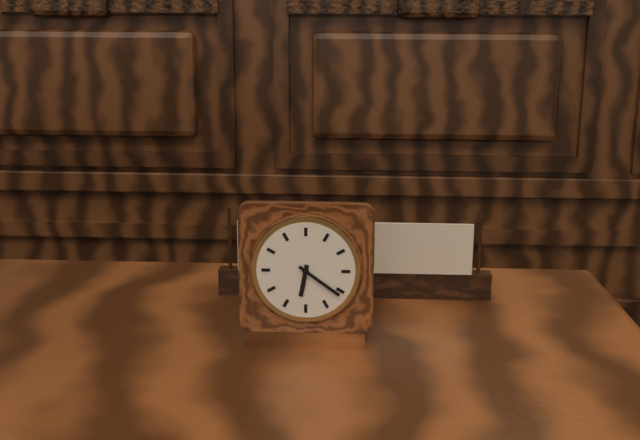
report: 6h21
